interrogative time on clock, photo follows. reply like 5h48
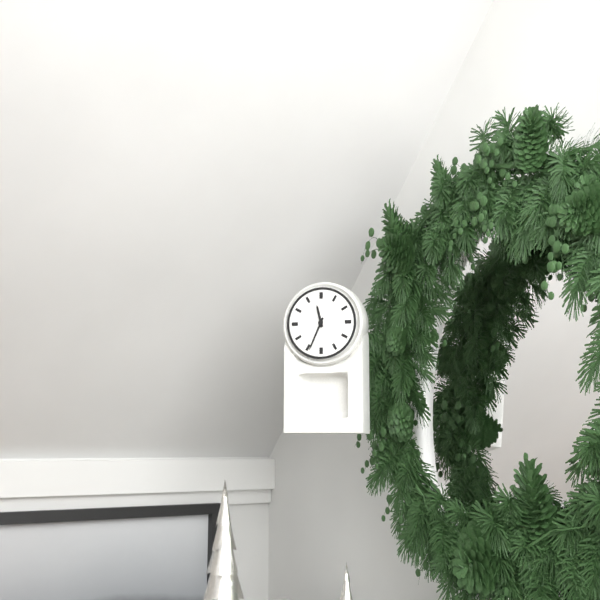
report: 11h34
